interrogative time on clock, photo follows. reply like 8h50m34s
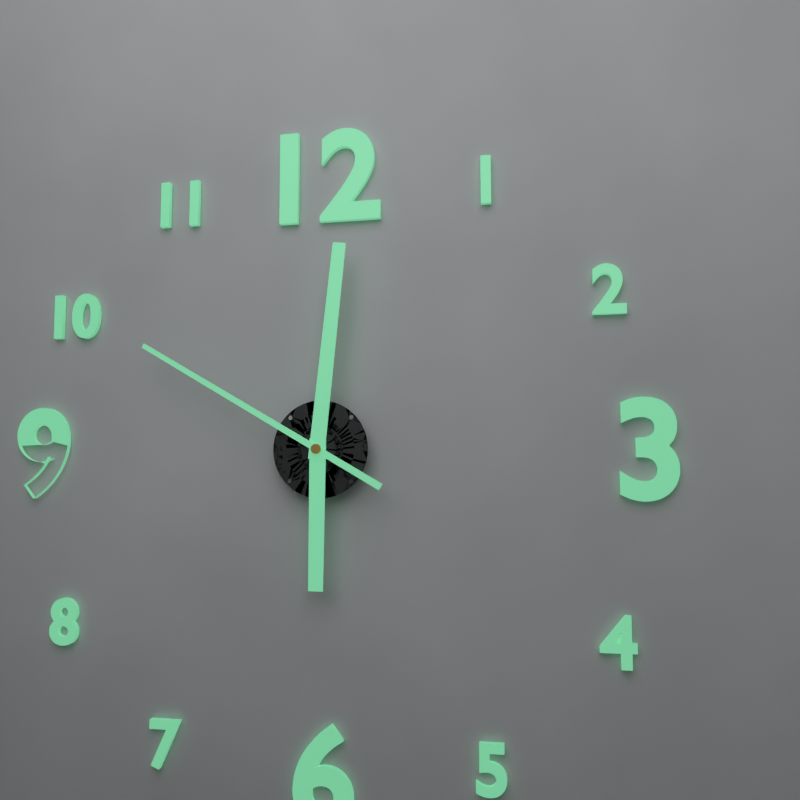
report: 6h01m50s
